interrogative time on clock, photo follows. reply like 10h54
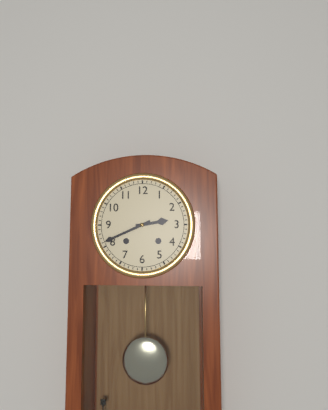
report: 2h41
